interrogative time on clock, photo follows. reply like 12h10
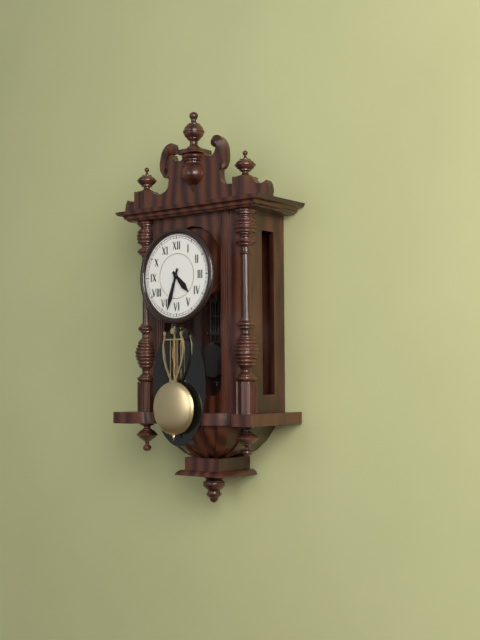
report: 4h33
